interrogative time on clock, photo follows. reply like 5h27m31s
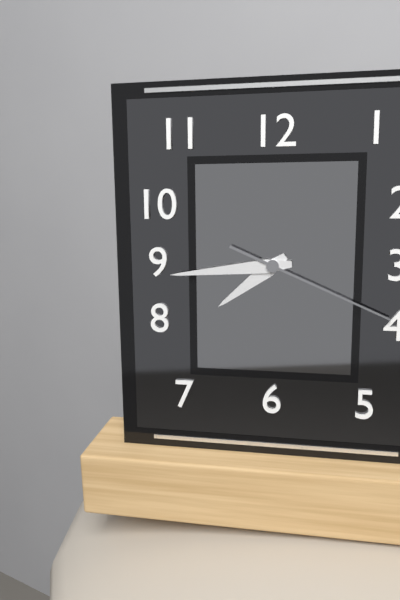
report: 7h44m19s
